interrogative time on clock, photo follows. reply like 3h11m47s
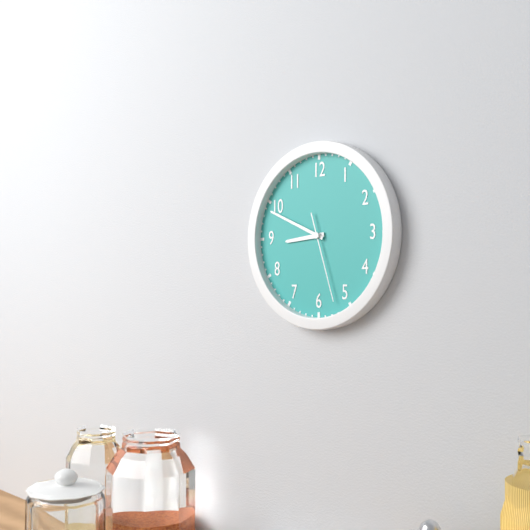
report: 8h49m27s
